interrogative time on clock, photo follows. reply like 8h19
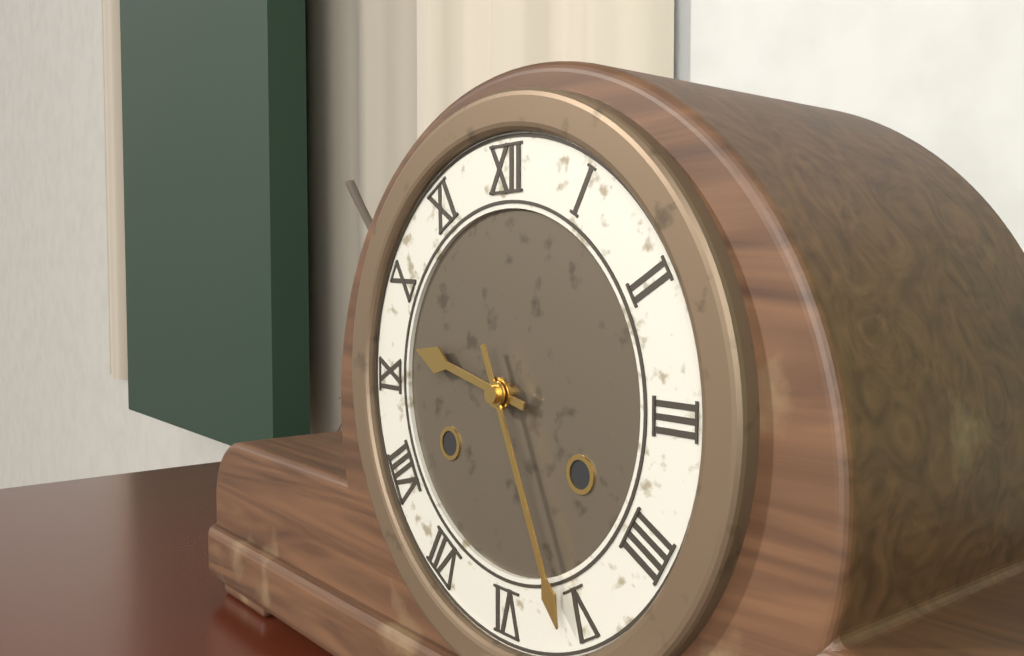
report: 9h26
